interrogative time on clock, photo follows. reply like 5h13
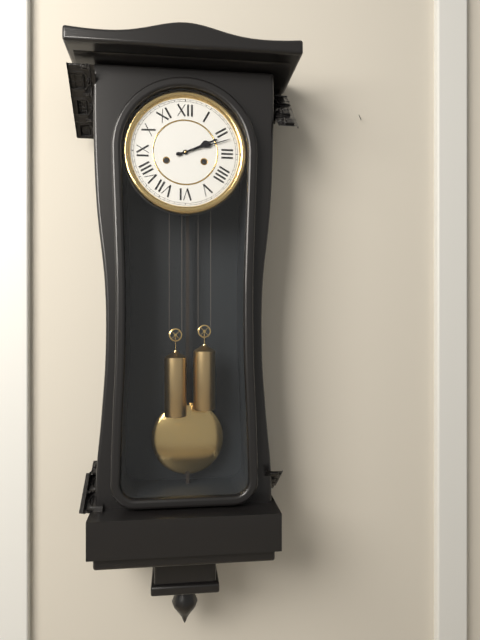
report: 2h12
